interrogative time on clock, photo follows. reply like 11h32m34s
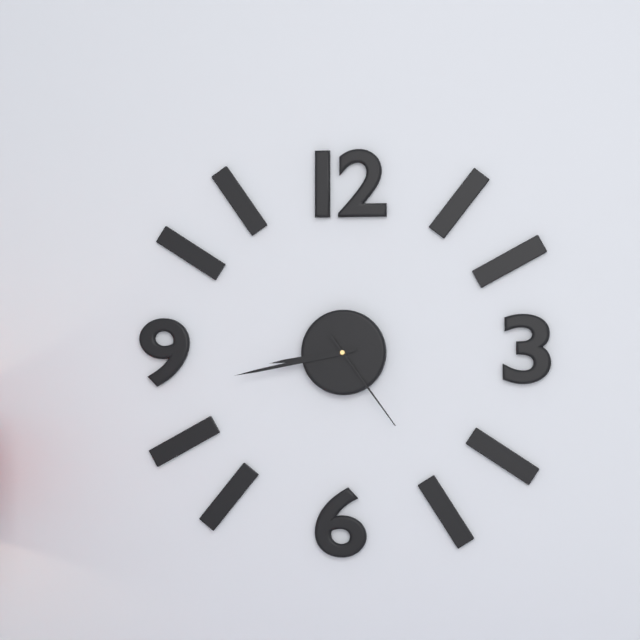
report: 8h43m24s
